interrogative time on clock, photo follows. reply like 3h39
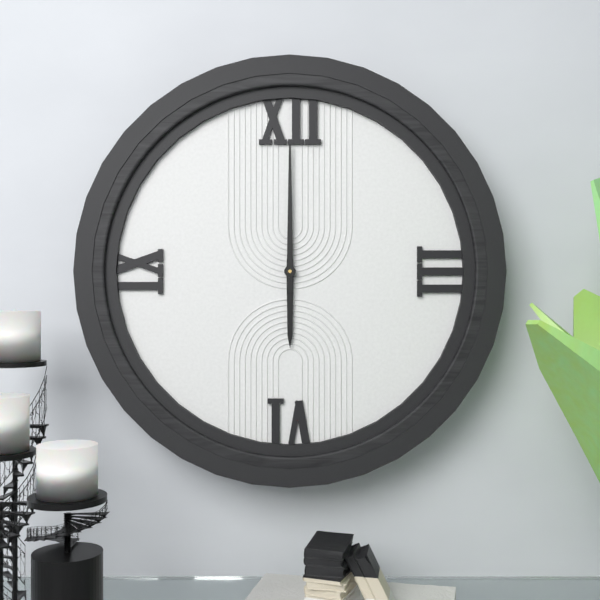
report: 6h00
